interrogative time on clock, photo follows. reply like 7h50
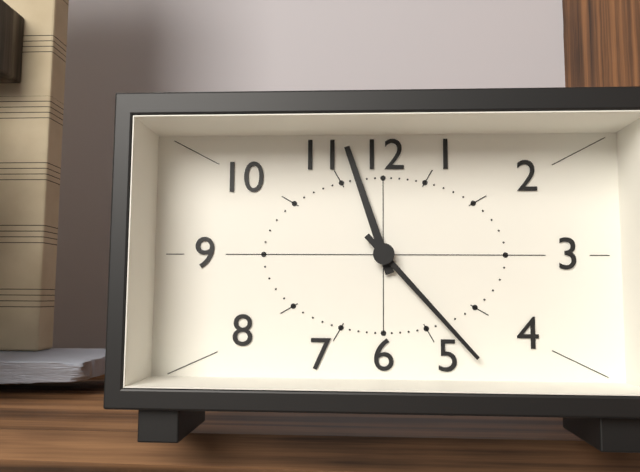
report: 11h23
